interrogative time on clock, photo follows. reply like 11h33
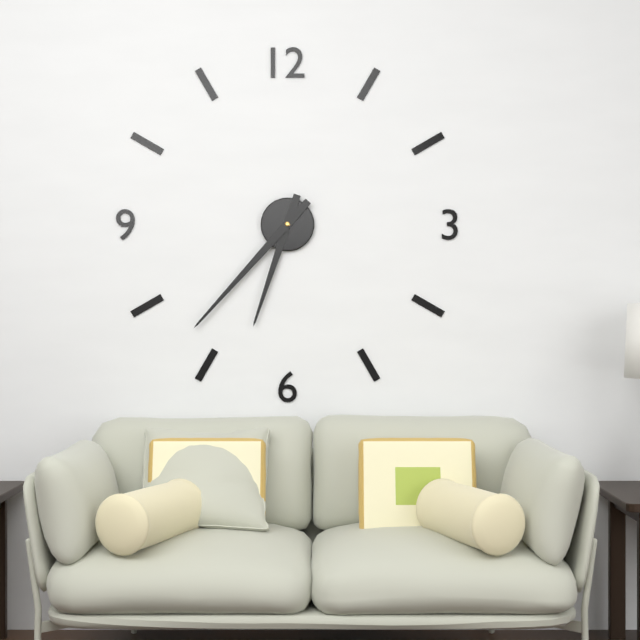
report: 6h37
